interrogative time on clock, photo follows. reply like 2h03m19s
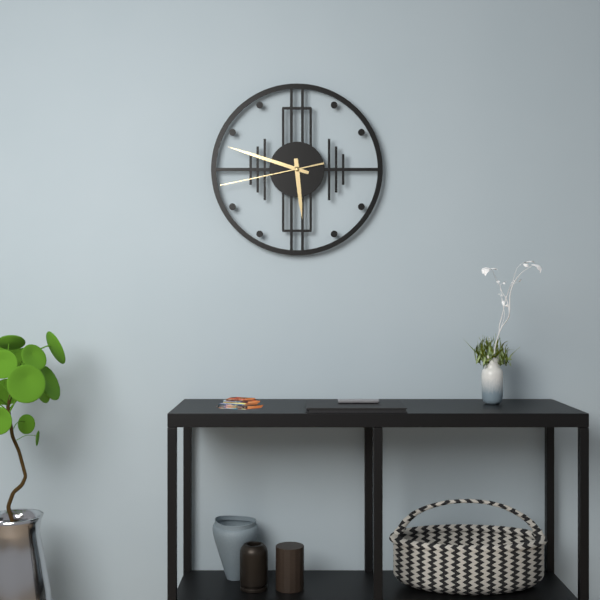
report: 5h48m43s
